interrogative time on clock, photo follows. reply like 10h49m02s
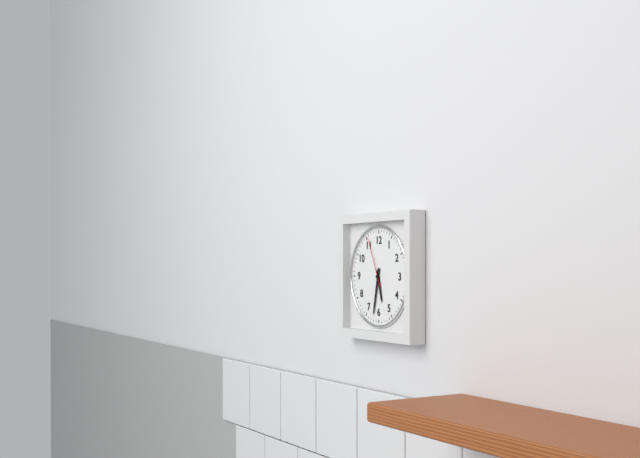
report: 5h32m56s
